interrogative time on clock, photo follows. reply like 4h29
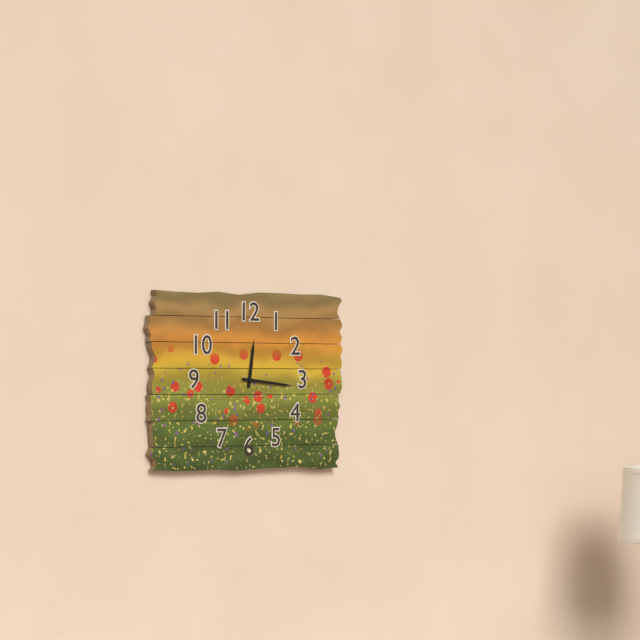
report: 12h16
